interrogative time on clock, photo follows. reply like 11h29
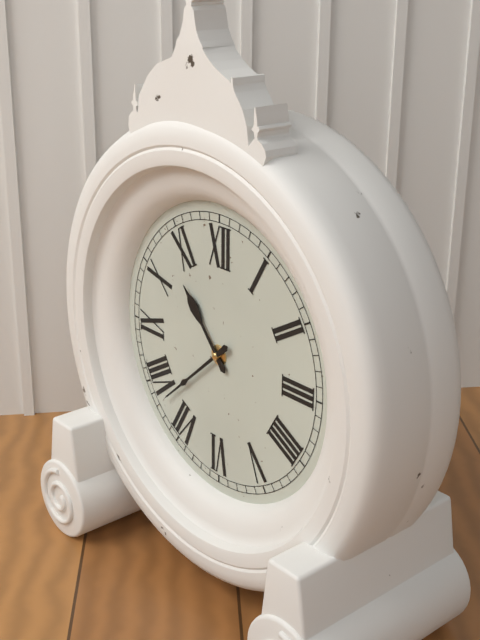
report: 10h38
